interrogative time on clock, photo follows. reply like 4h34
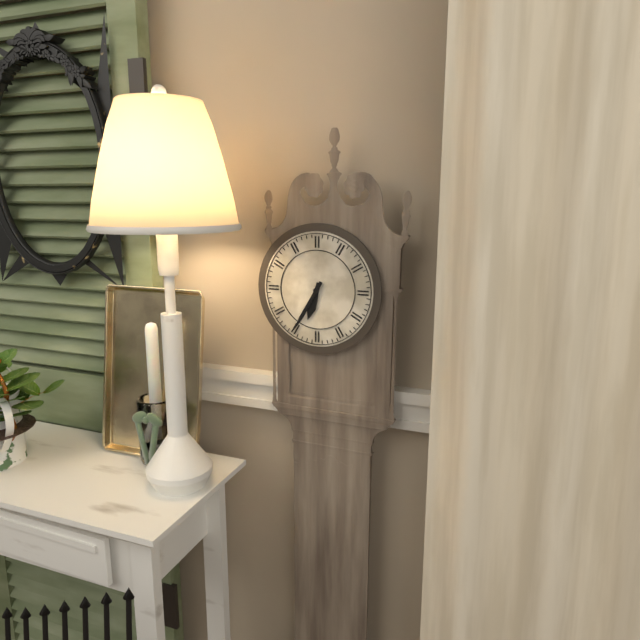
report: 6h35
